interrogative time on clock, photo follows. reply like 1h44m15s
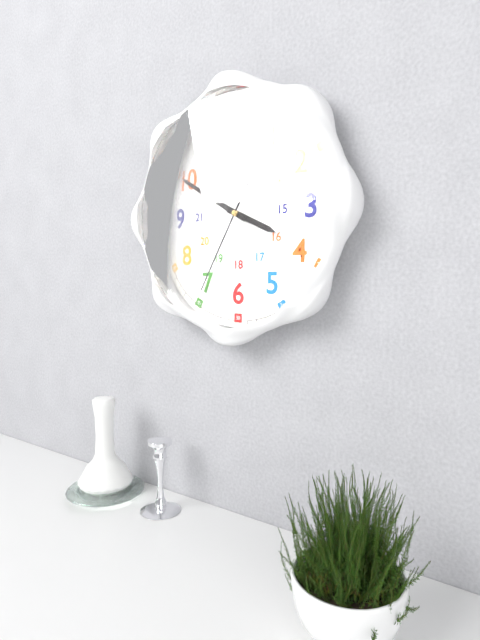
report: 3h50m35s
